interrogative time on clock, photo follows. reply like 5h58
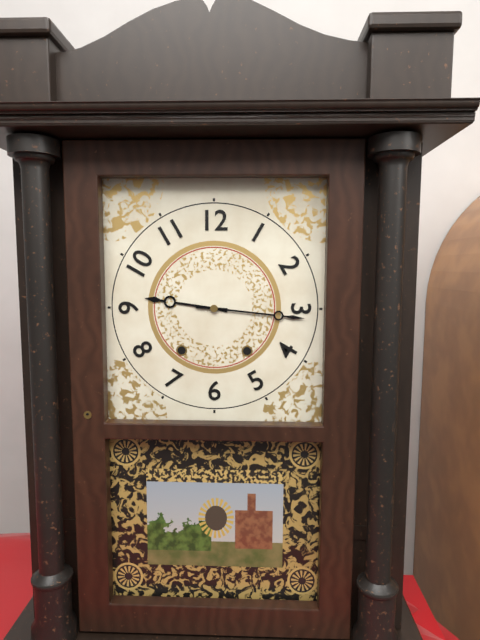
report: 9h16
